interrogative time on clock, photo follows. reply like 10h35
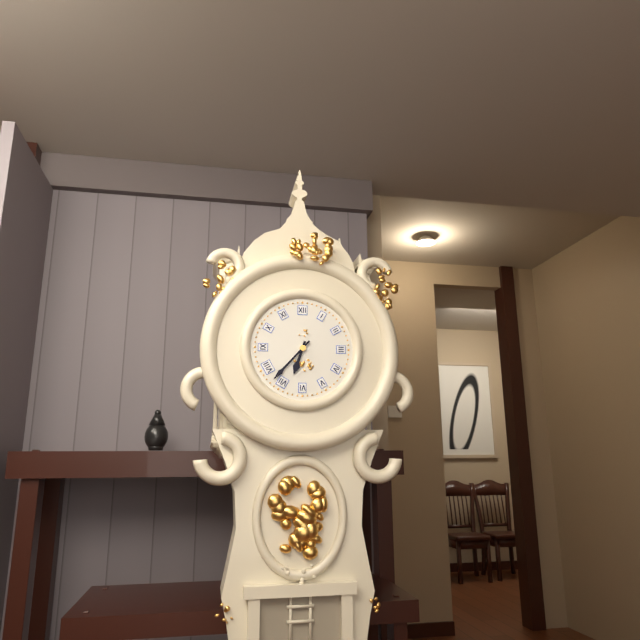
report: 6h37
